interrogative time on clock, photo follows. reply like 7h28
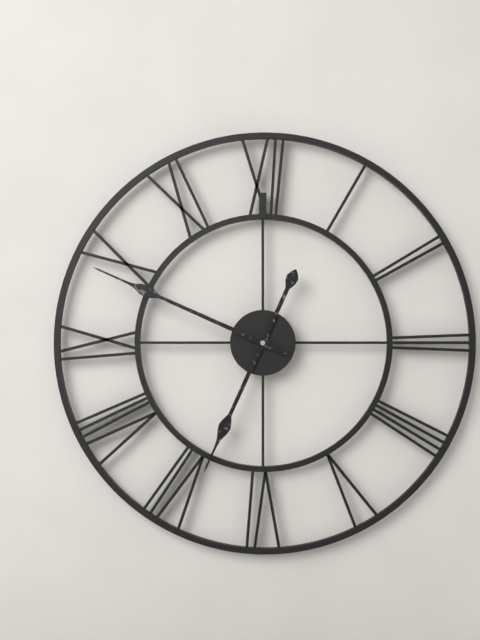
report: 6h49
